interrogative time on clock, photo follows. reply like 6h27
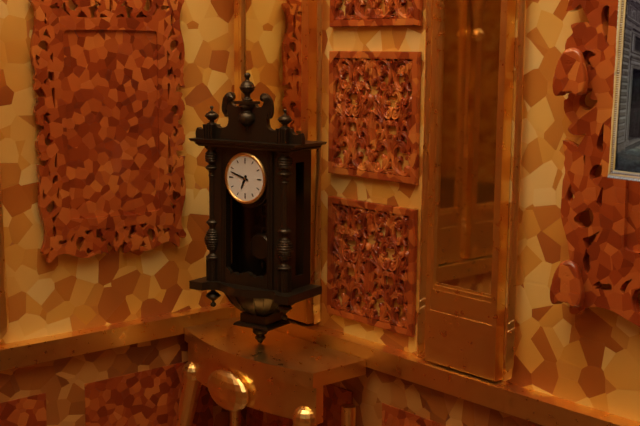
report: 6h48
